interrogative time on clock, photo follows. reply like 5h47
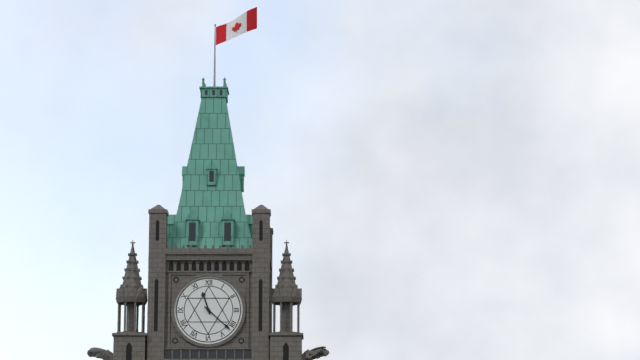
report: 11h22
